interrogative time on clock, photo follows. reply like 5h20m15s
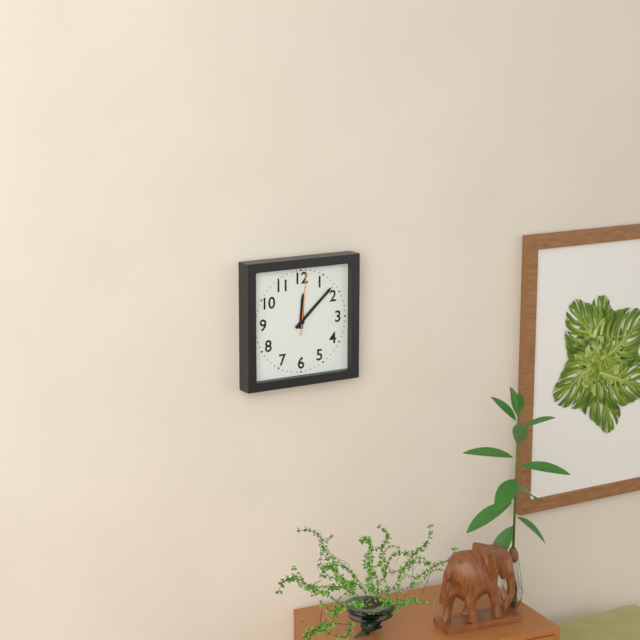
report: 12h08m01s
